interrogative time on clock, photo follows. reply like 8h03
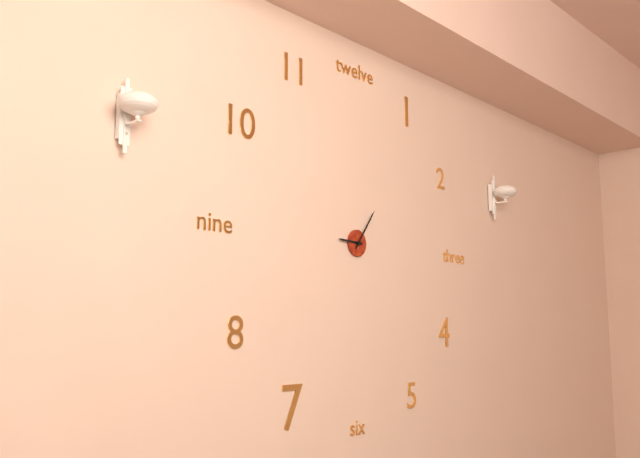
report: 9h06
